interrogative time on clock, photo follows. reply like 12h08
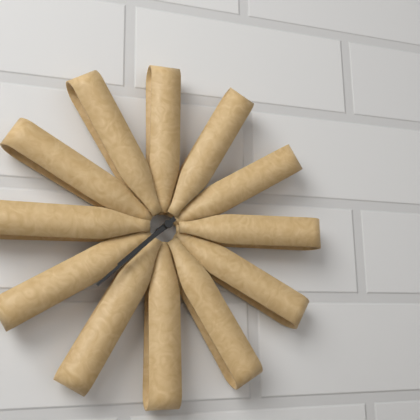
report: 7h38
